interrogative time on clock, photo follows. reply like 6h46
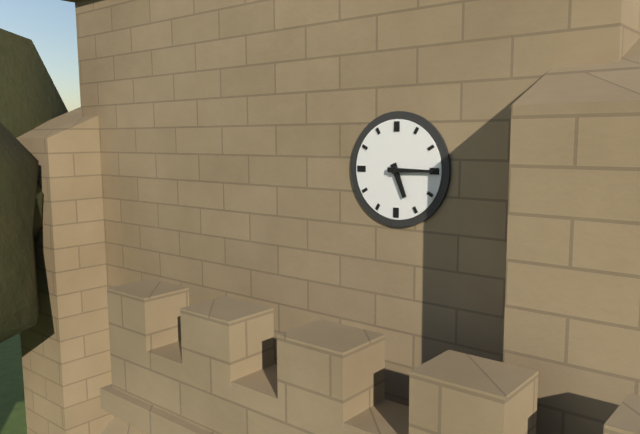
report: 5h15
